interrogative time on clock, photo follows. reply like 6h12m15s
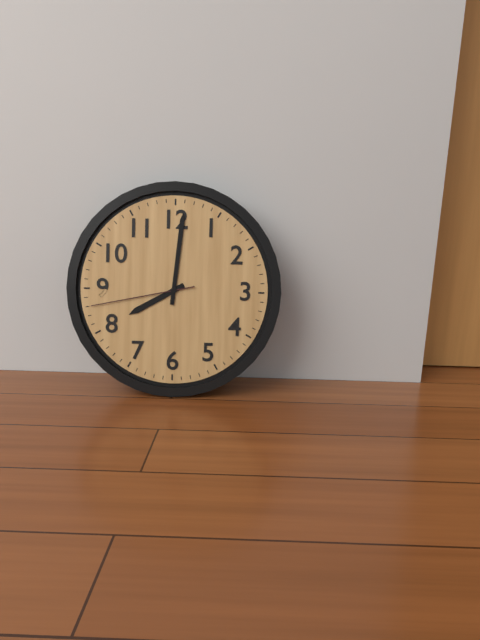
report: 8h01m43s
